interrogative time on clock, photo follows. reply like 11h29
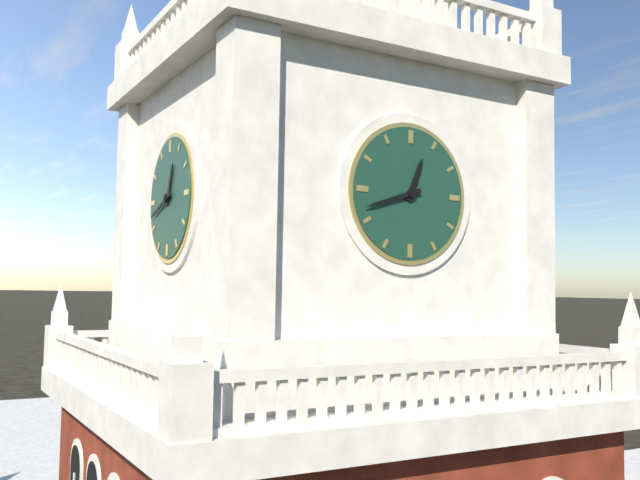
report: 12h42
